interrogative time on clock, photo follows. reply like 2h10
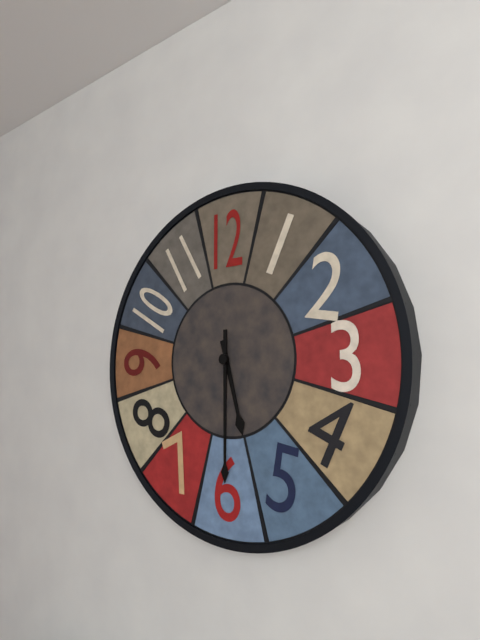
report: 5h30
